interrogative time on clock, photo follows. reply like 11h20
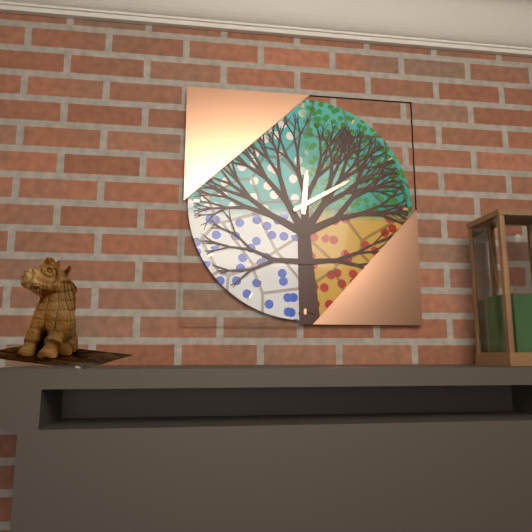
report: 12h10
